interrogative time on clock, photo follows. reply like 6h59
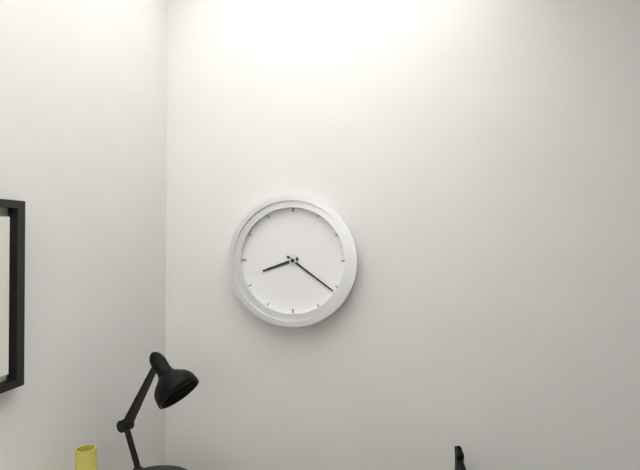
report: 8h21
